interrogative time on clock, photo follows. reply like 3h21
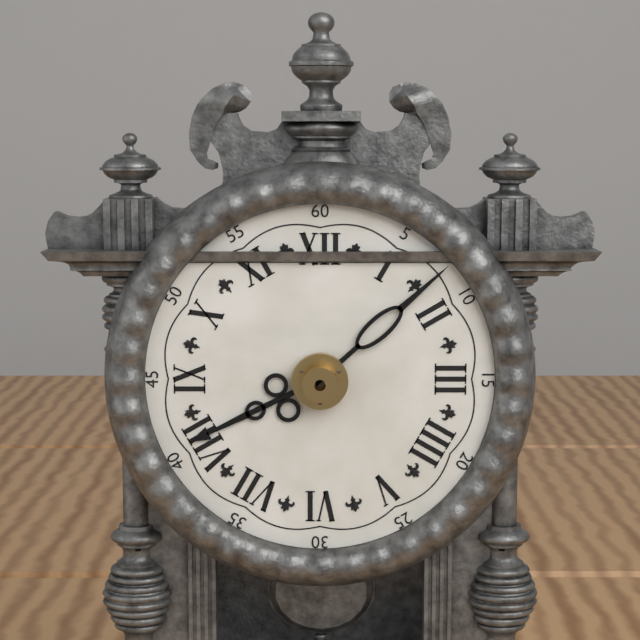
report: 8h08
